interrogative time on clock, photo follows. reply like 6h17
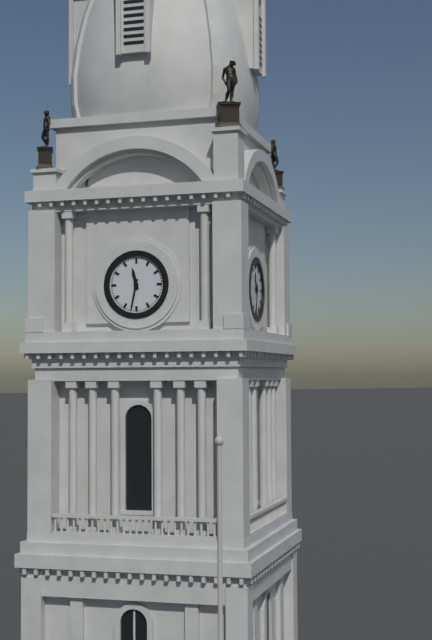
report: 11h32
